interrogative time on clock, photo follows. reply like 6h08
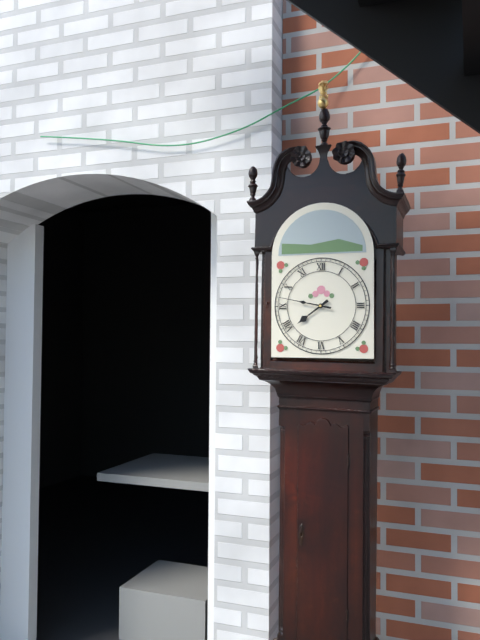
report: 7h47
